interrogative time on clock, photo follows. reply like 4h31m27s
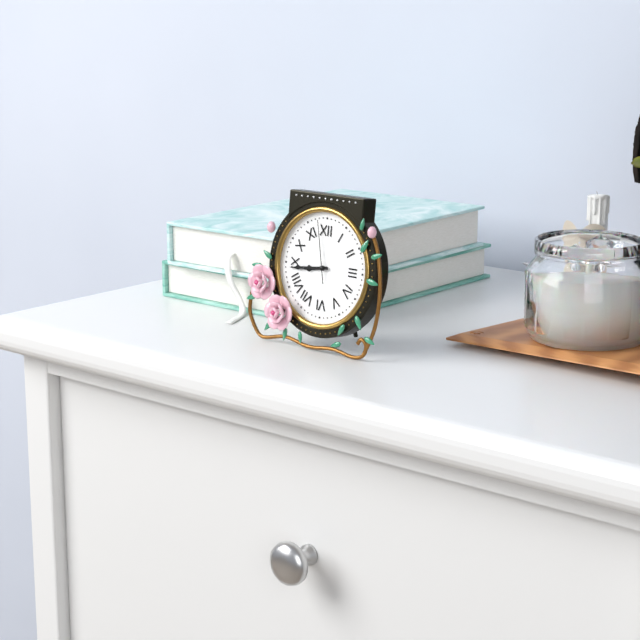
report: 8h44m58s
